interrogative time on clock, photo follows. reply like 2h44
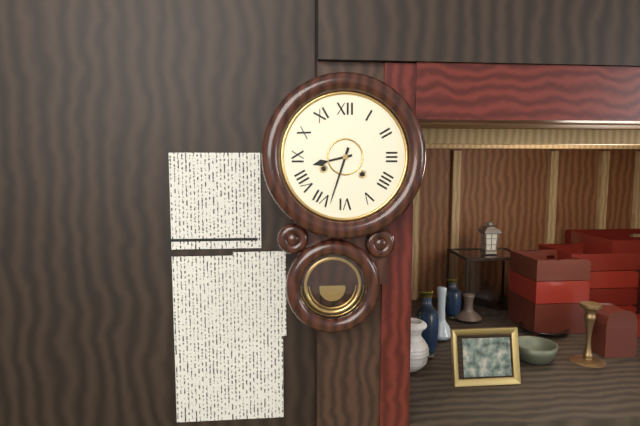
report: 8h33
